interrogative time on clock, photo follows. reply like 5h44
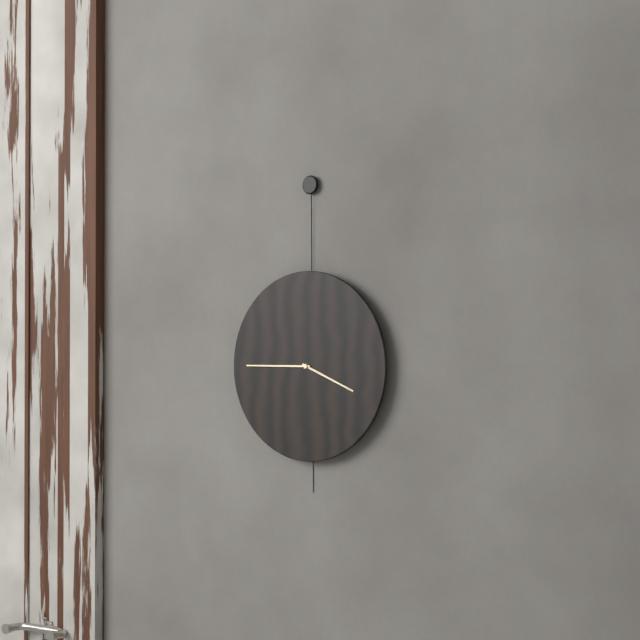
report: 3h45
